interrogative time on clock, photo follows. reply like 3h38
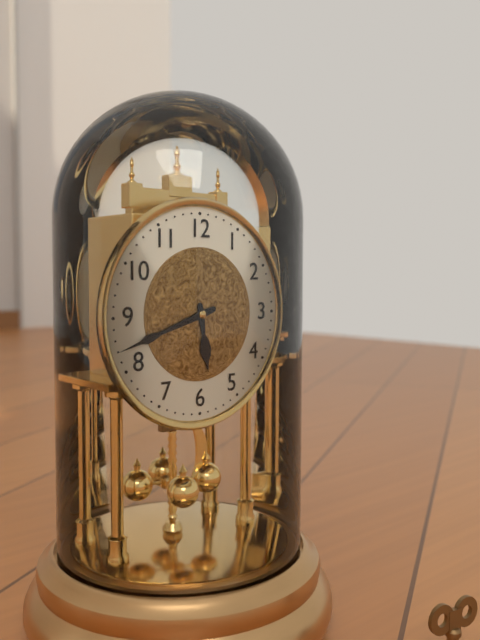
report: 5h42
